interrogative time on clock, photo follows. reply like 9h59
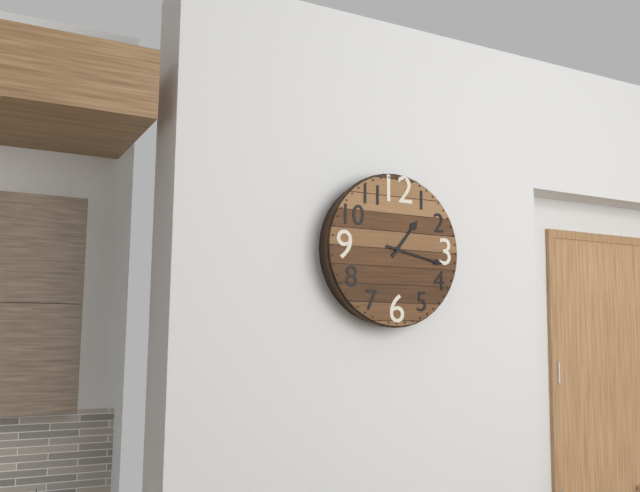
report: 1h17
